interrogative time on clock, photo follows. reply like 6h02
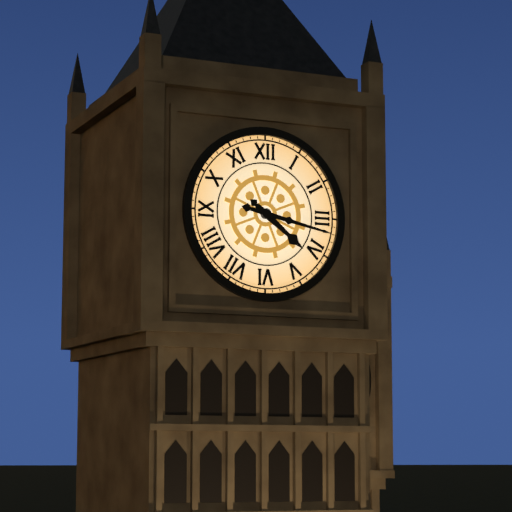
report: 4h17
